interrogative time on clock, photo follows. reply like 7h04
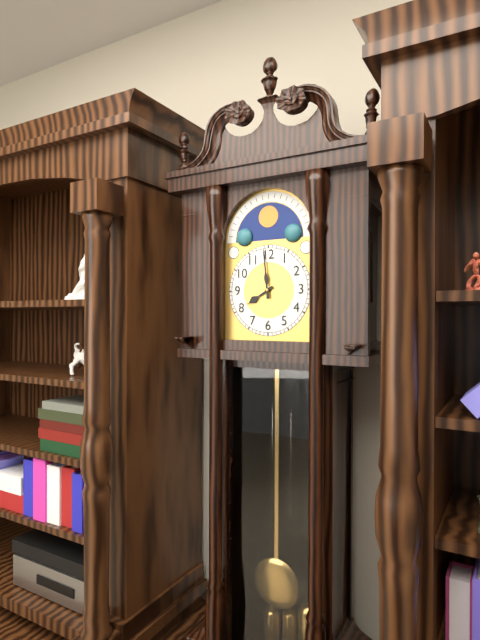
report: 7h59
